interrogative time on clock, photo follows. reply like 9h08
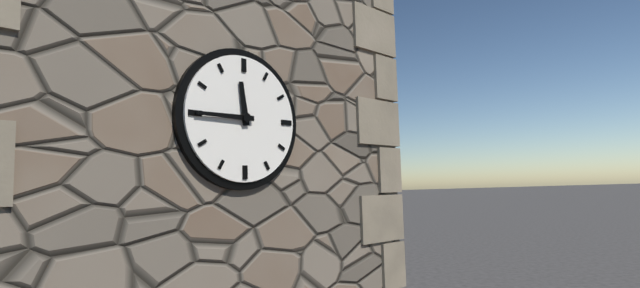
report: 11h45
